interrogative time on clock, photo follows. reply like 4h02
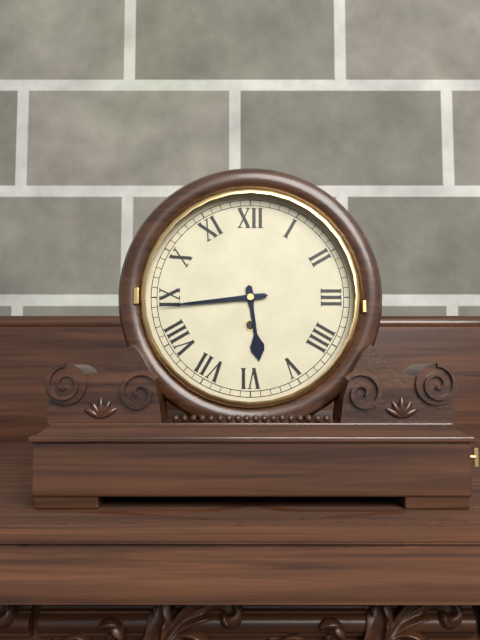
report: 5h44
